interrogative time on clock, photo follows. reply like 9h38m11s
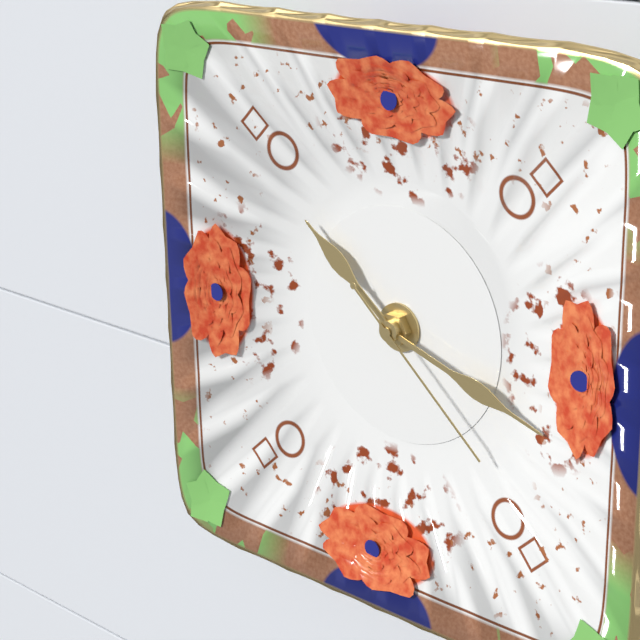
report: 10h18m22s
